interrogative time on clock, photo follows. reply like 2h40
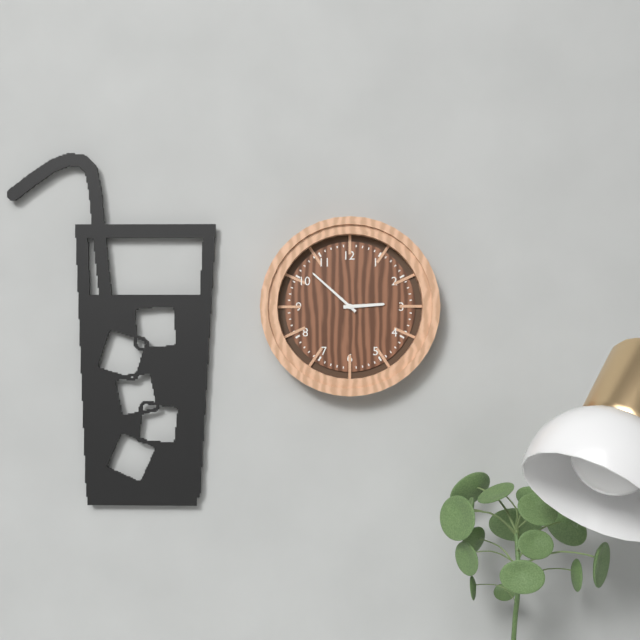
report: 2h52
